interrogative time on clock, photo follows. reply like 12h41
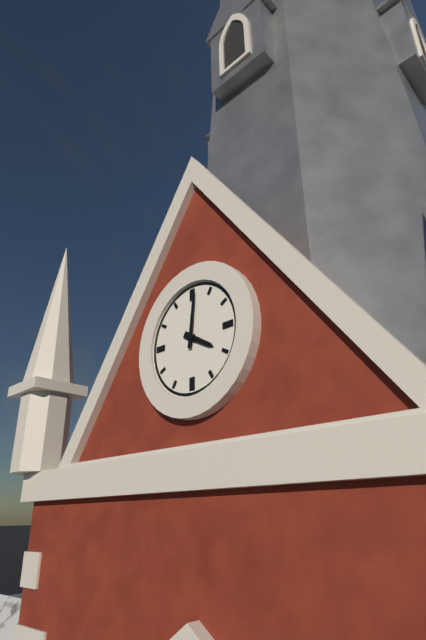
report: 4h01
